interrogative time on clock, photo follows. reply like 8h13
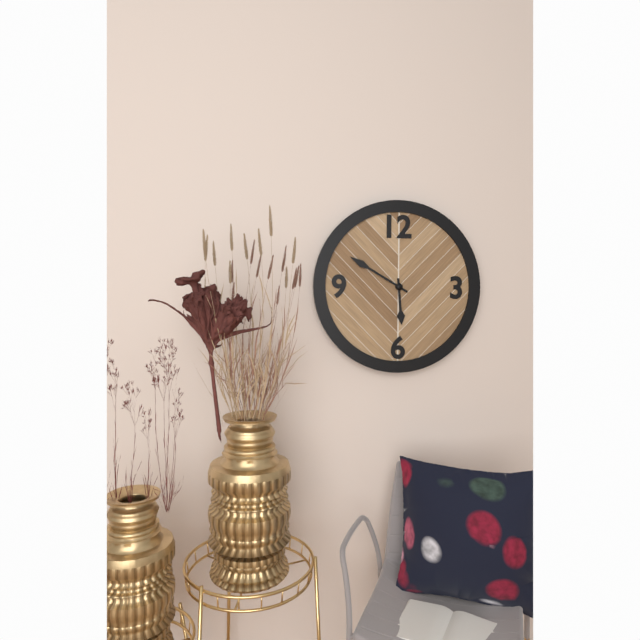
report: 5h50
